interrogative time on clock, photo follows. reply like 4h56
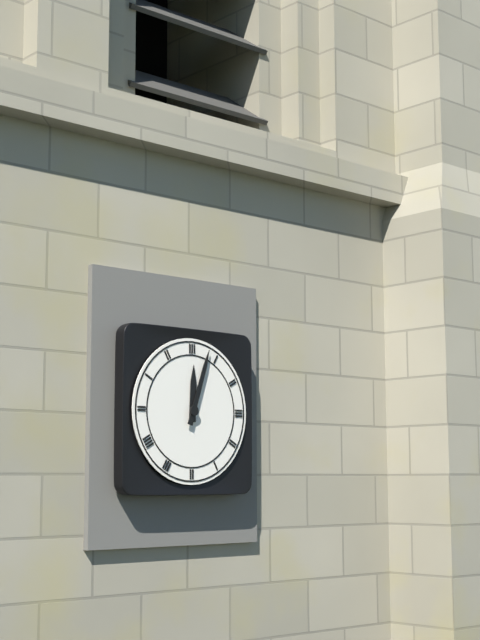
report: 12h03
